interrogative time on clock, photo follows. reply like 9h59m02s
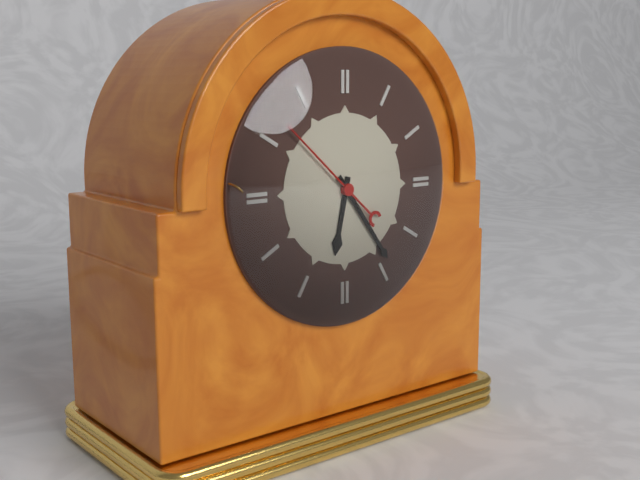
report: 6h24m52s
